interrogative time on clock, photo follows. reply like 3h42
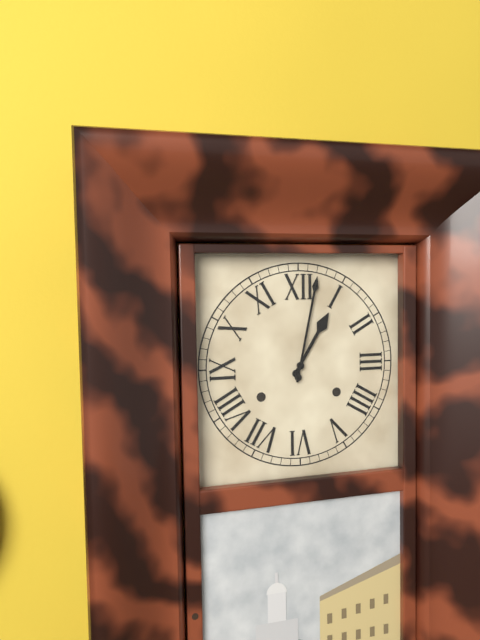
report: 1h02
